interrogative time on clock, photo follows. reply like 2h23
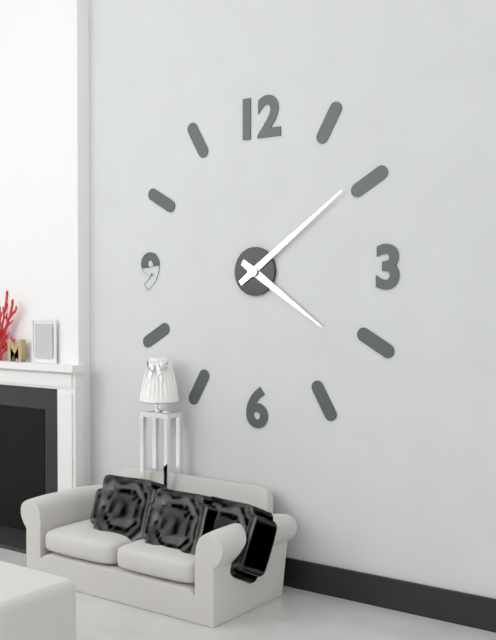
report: 4h09
